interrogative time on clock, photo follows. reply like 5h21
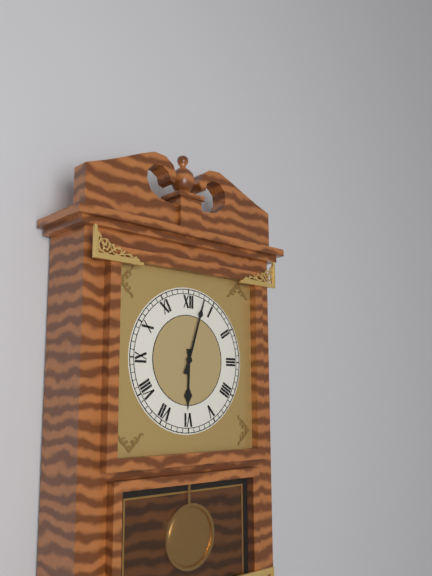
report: 6h03
